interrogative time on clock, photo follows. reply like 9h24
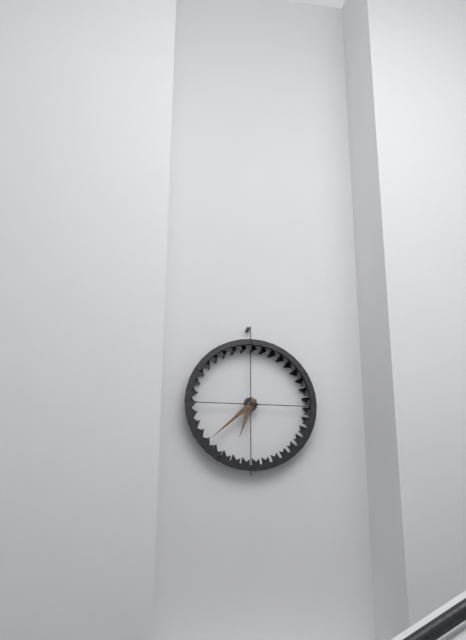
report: 6h38
